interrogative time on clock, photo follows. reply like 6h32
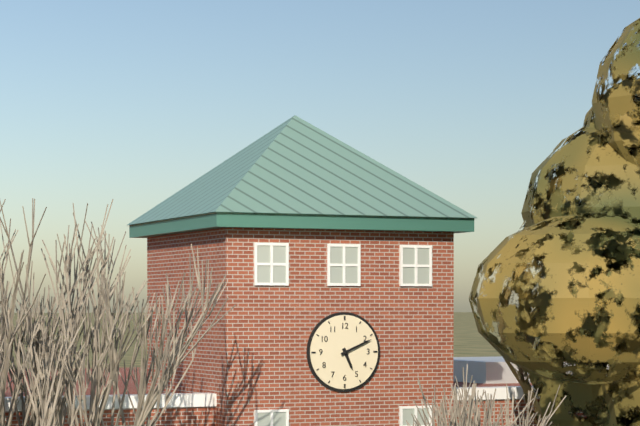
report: 5h11
